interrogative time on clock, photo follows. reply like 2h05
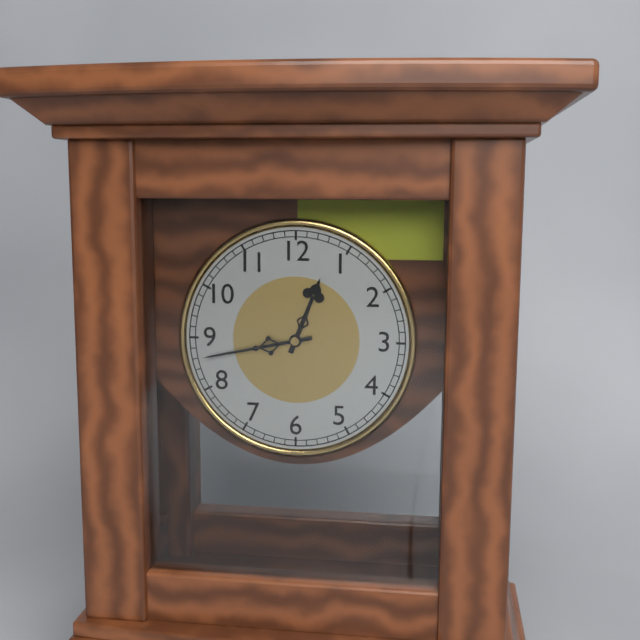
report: 12h43
